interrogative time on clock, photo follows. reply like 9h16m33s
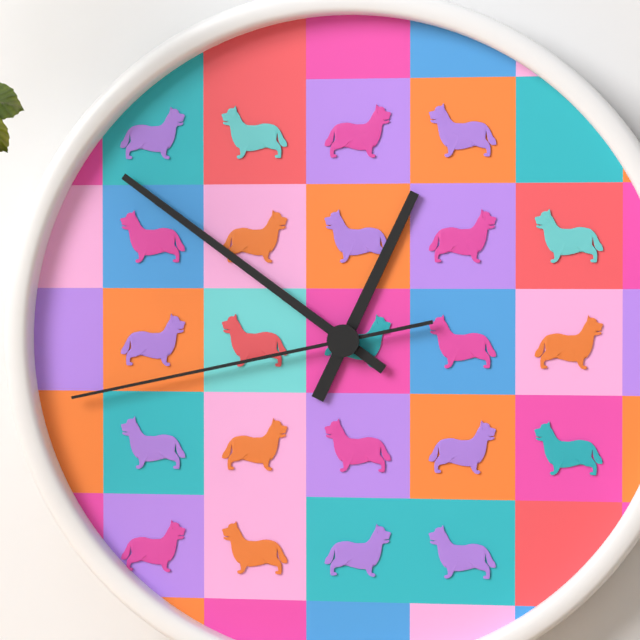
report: 12h51m43s
